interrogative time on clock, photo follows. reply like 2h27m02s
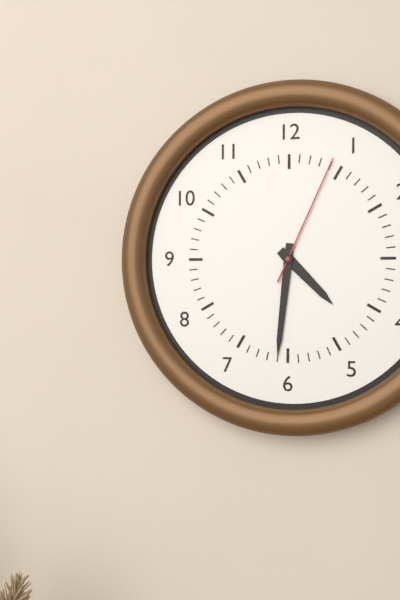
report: 4h31m04s
